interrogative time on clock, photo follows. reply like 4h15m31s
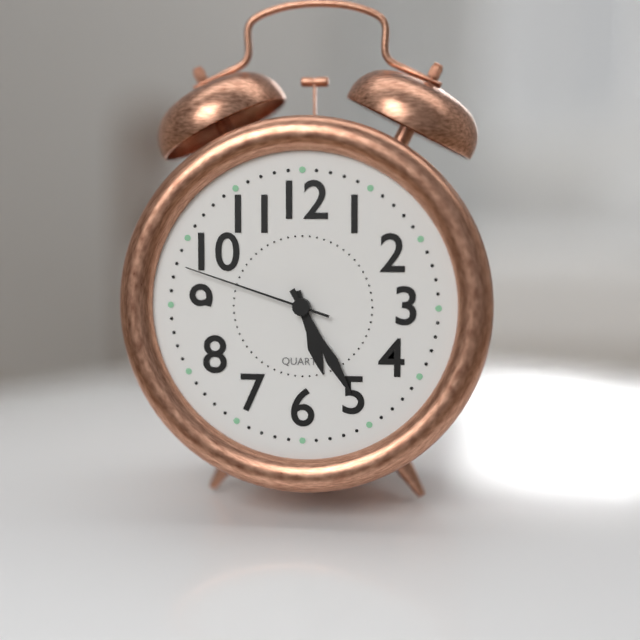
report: 5h25m48s
